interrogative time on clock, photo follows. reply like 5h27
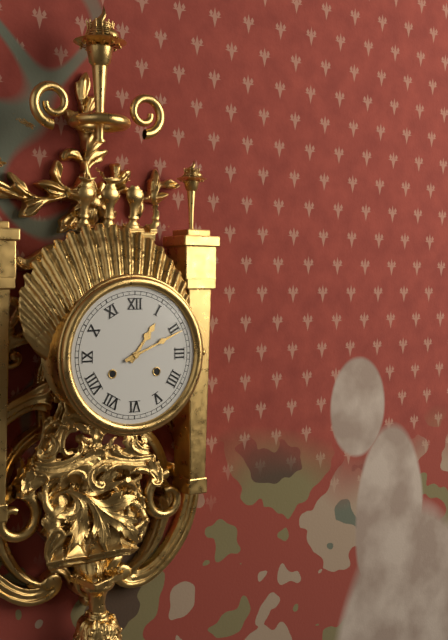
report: 1h11
